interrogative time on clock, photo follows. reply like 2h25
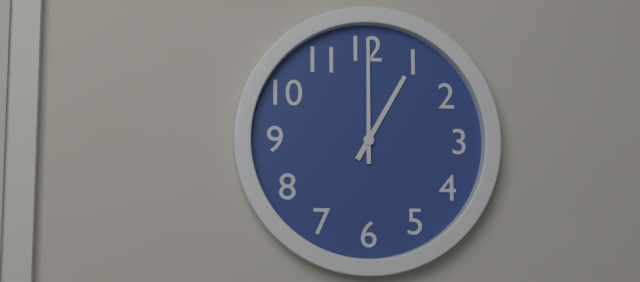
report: 1h00
